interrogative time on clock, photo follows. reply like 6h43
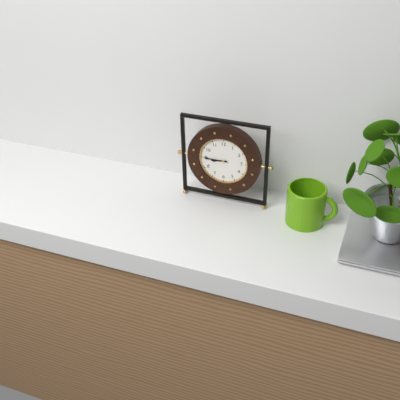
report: 8h45
